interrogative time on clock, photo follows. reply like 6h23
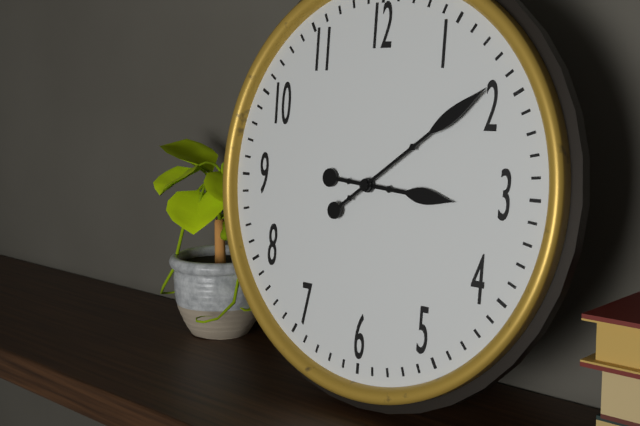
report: 3h09
